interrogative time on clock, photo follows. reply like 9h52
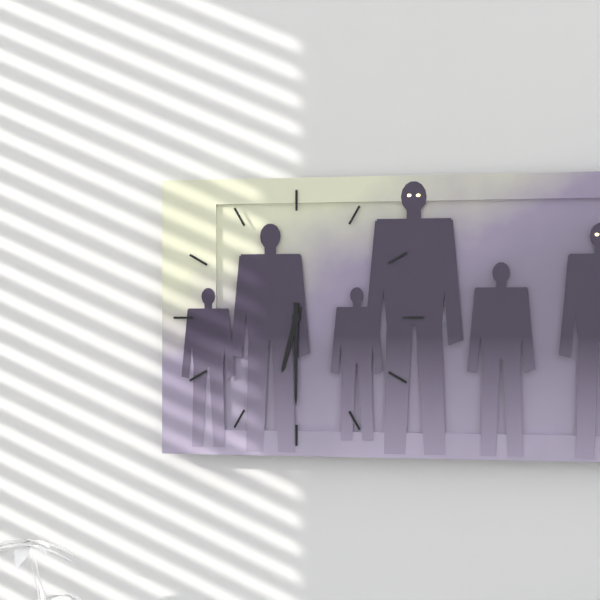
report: 6h30
